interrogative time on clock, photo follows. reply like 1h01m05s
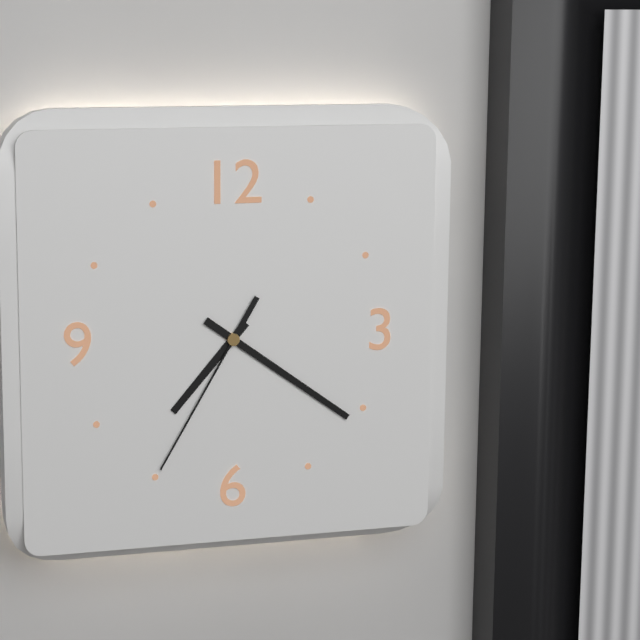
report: 7h21m35s
